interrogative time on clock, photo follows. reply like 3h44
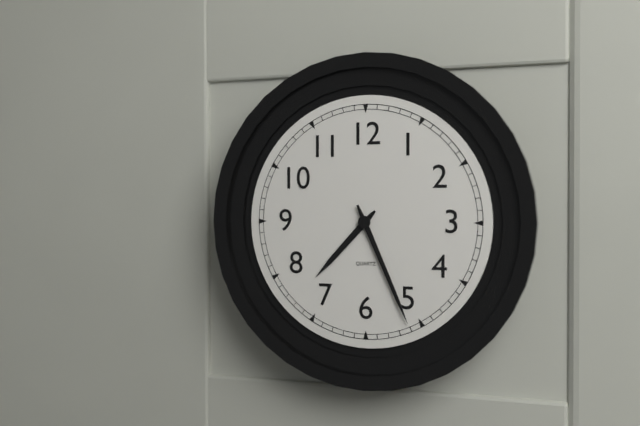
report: 7h26
